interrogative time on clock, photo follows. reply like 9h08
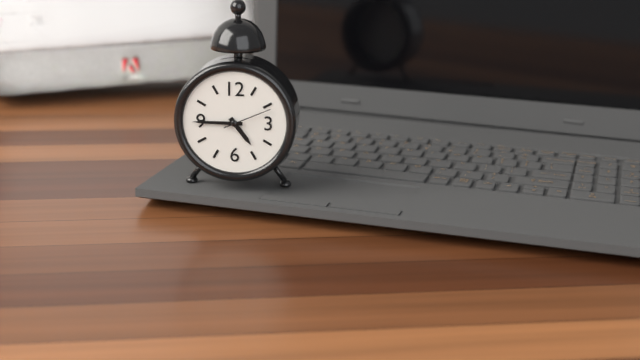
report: 4h45
